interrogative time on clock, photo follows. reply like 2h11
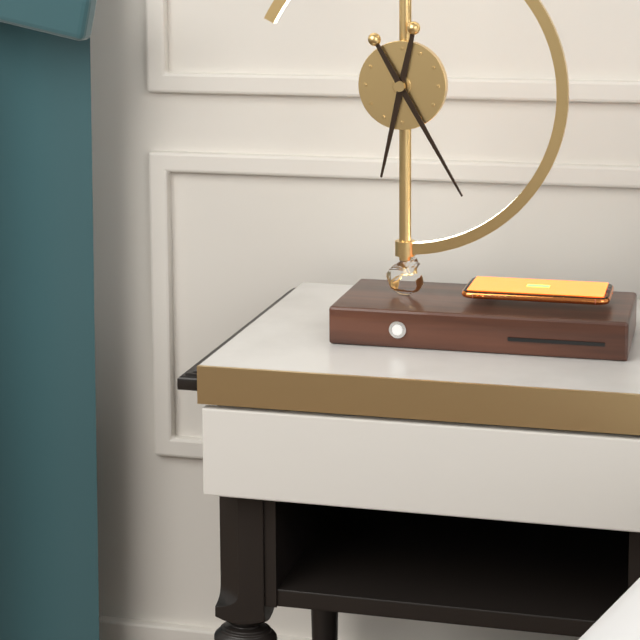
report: 6h25
